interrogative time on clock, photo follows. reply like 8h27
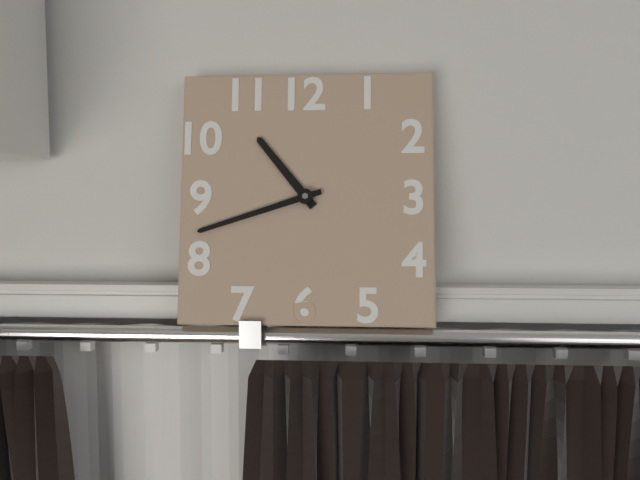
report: 10h42
